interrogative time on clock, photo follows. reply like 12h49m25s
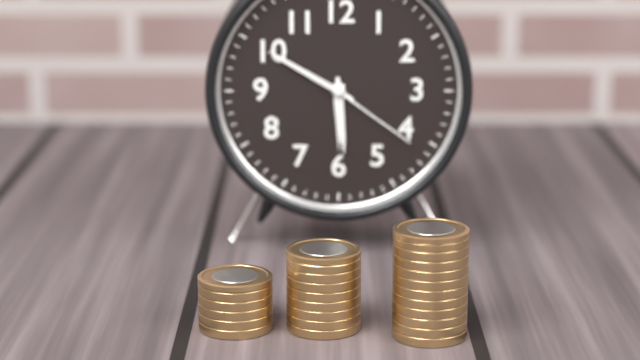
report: 5h50m21s
